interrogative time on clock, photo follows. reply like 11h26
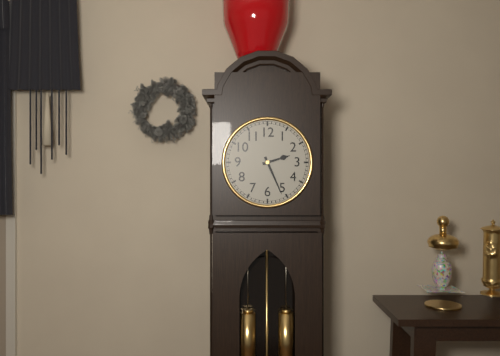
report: 2h26
